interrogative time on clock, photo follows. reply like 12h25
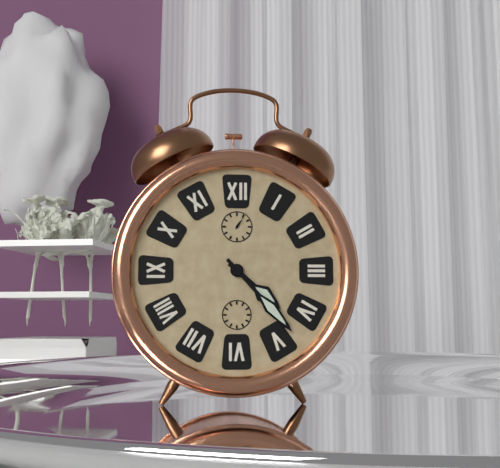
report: 4h23
